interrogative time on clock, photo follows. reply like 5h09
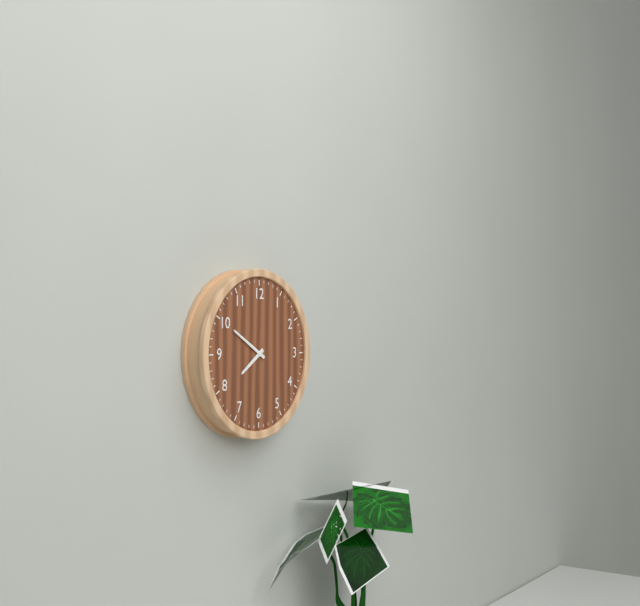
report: 7h50
